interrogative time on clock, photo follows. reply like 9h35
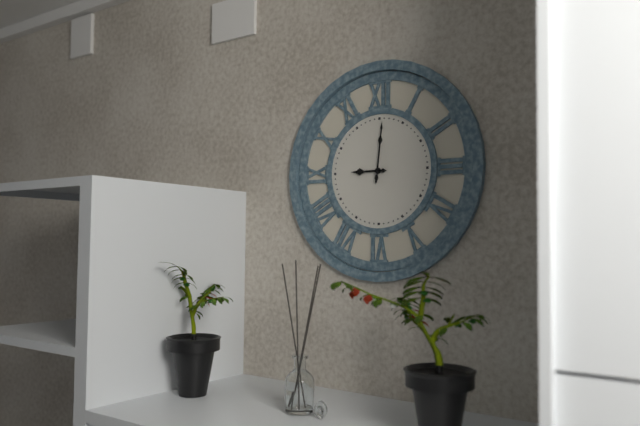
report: 9h01
